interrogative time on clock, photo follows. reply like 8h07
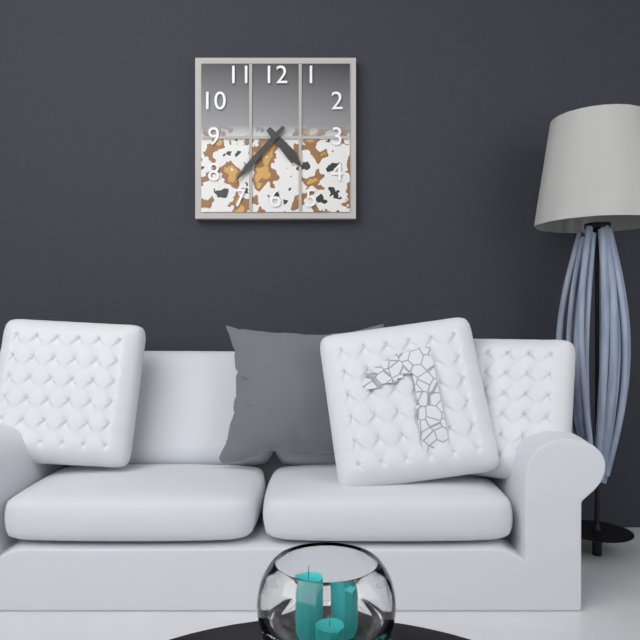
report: 4h37
